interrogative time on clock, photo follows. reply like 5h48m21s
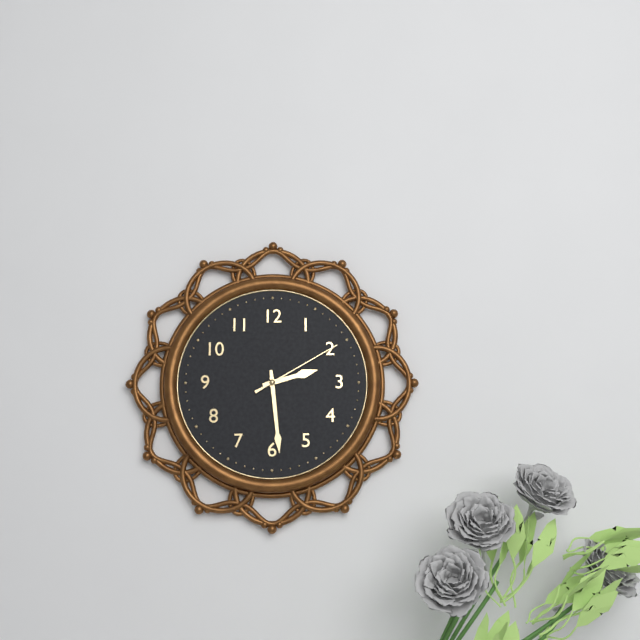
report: 2h29m10s
